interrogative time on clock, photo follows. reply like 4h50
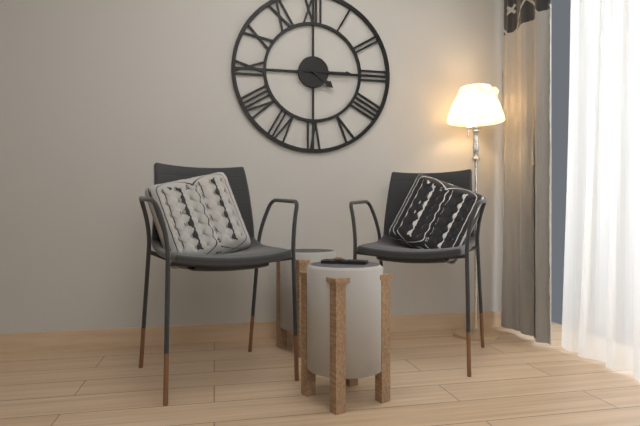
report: 4h15
